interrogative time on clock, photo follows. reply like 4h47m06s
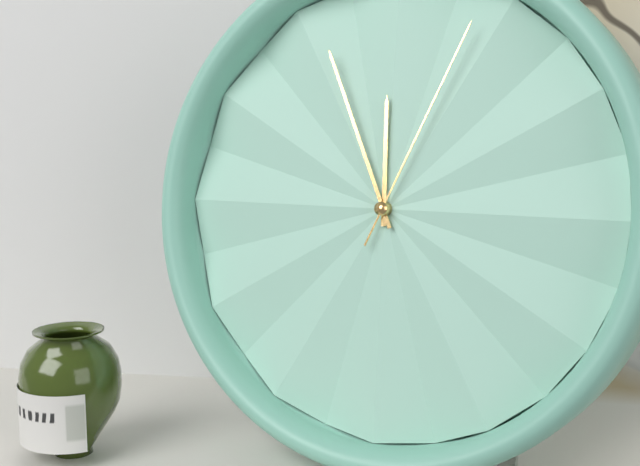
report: 11h56m04s
